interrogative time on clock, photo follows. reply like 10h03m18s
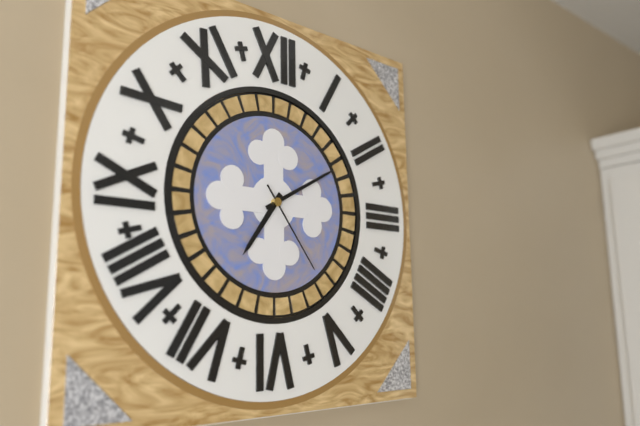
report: 7h10m24s
